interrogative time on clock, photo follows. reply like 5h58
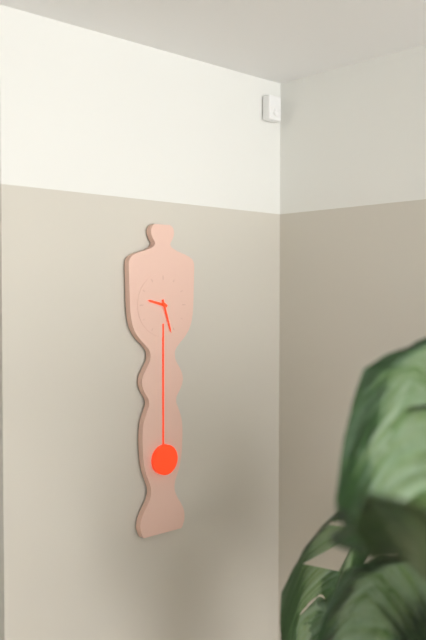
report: 9h27
